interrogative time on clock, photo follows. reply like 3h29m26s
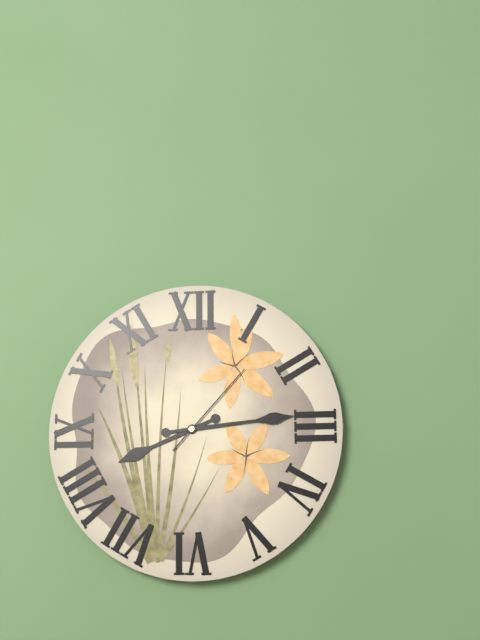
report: 8h14m07s
